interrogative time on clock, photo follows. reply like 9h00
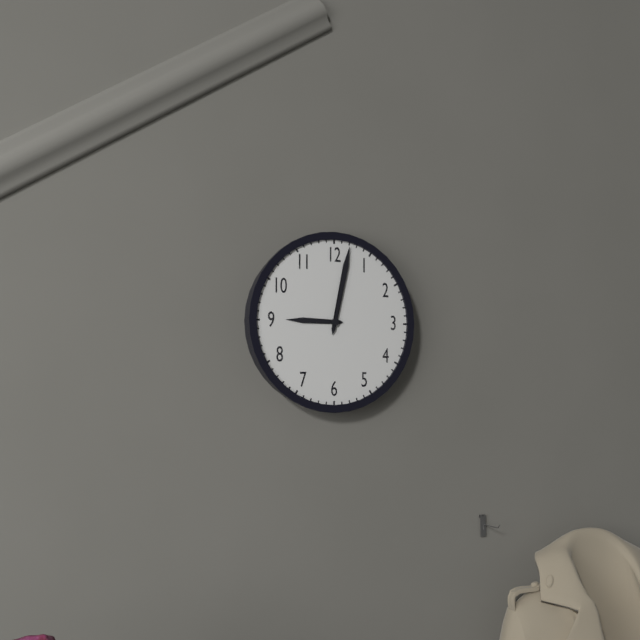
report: 9h02
